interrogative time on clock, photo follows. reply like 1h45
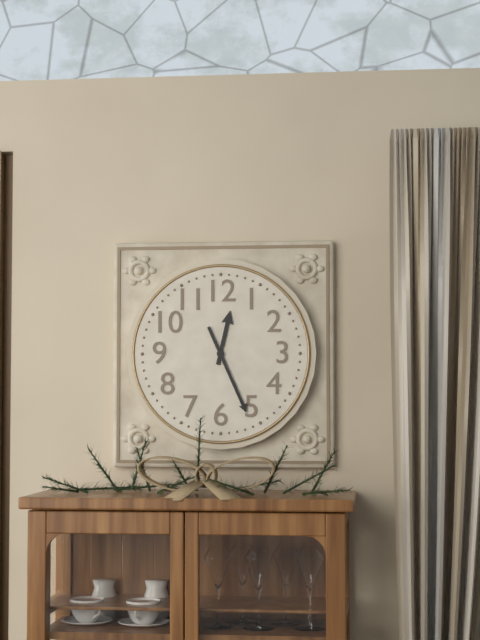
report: 12h26
